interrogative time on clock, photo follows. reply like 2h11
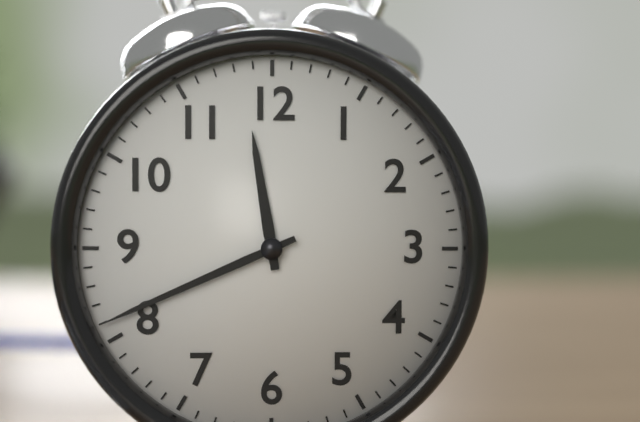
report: 11h41
